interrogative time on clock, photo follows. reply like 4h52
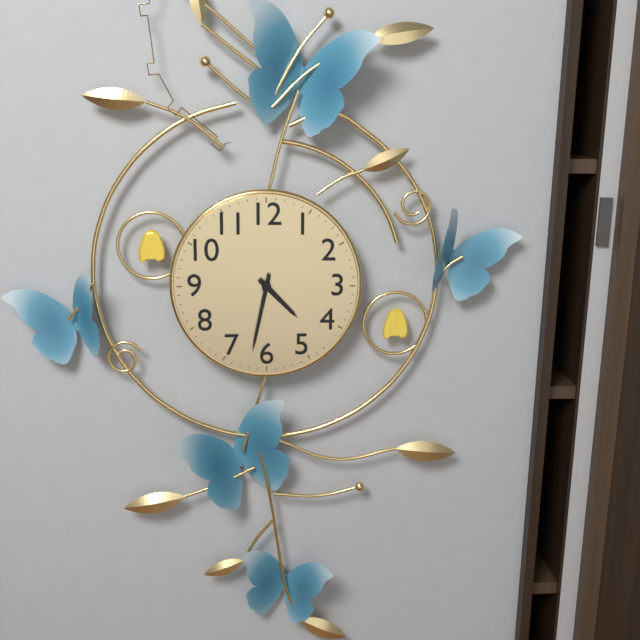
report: 4h32
